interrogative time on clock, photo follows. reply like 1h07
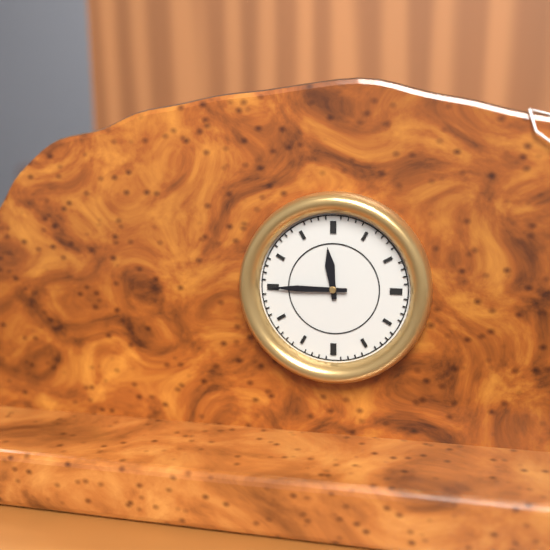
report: 11h45
